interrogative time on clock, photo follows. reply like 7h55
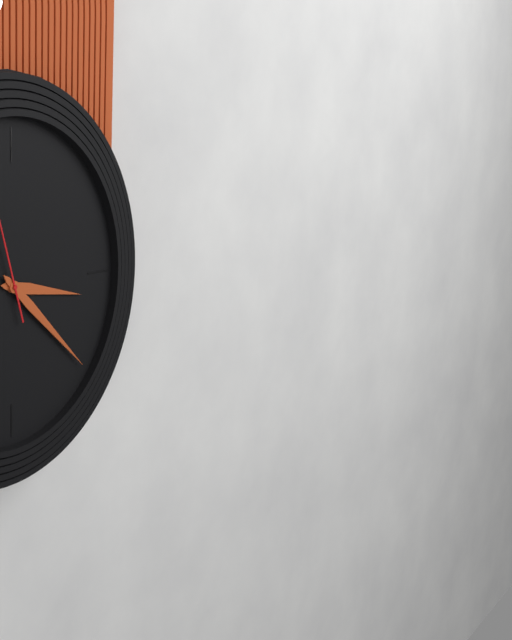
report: 3h22
